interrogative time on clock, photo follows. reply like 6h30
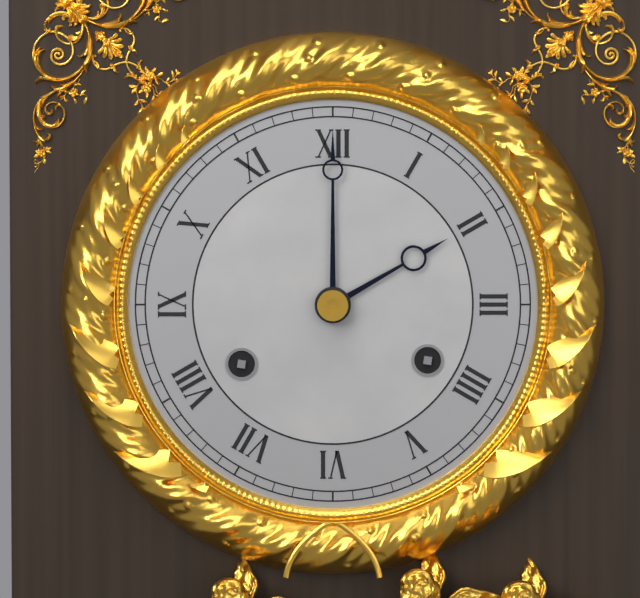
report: 2h00
